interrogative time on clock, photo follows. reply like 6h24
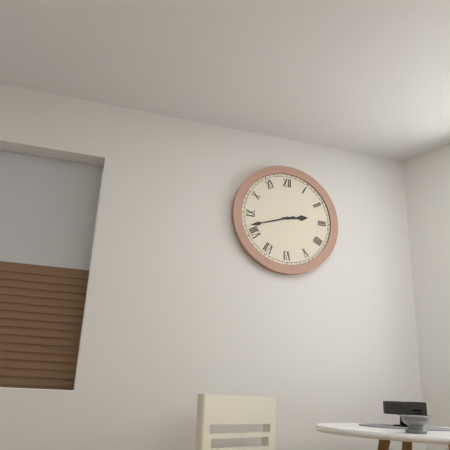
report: 2h42
